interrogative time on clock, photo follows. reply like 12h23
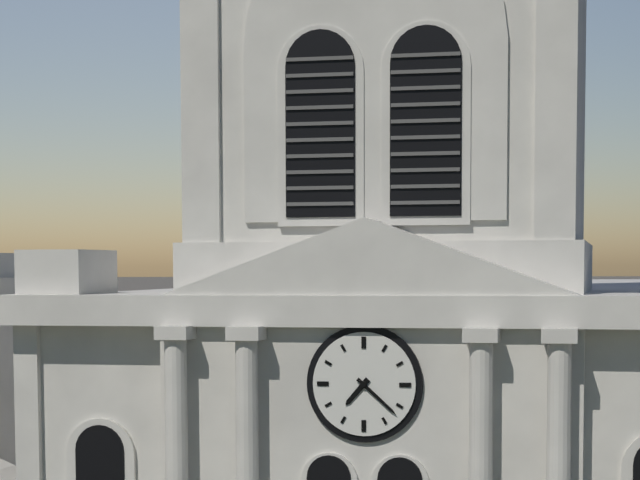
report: 7h22
